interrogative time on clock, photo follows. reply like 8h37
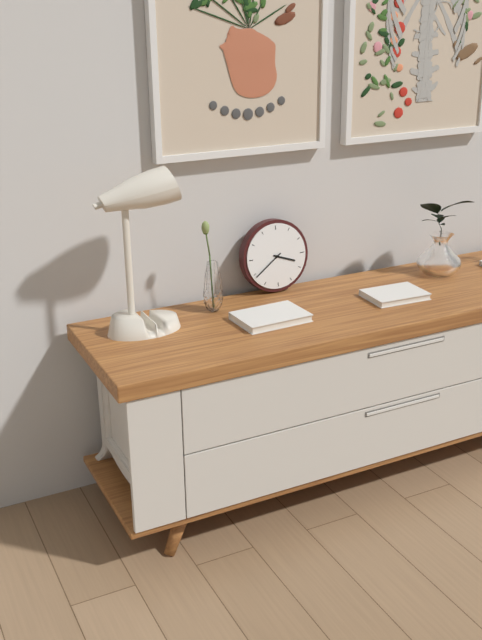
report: 3h39
